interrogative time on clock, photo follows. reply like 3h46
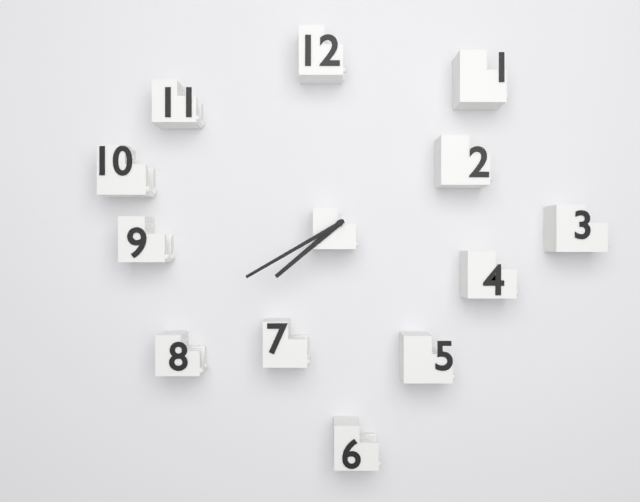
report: 7h40
